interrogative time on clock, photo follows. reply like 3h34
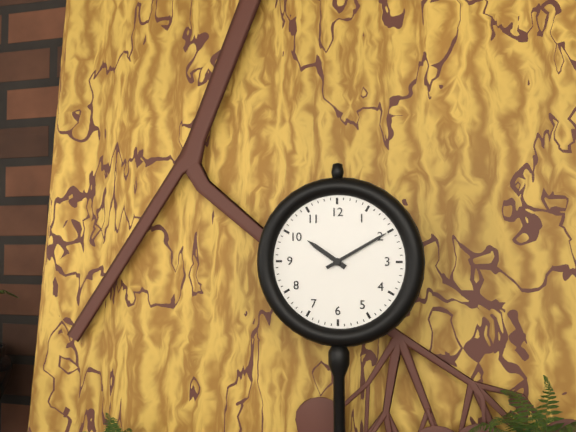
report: 10h10
